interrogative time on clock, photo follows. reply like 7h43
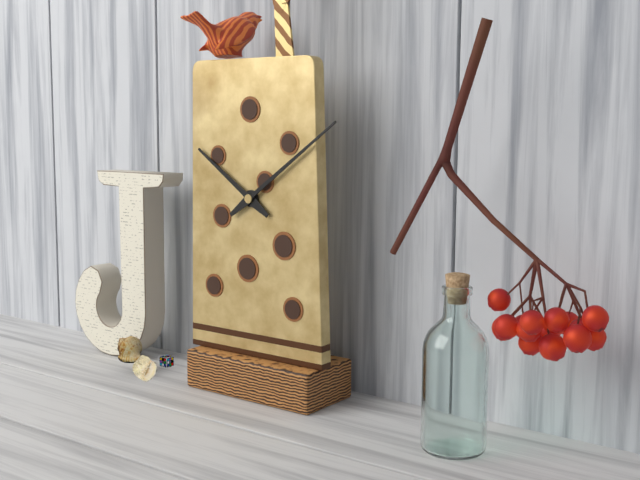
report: 10h09
